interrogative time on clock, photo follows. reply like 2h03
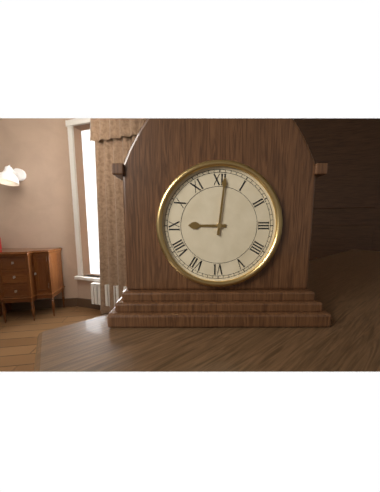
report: 9h01
